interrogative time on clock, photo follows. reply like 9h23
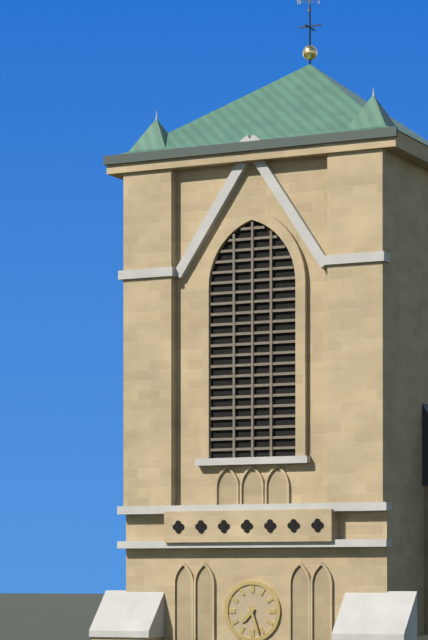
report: 7h27
